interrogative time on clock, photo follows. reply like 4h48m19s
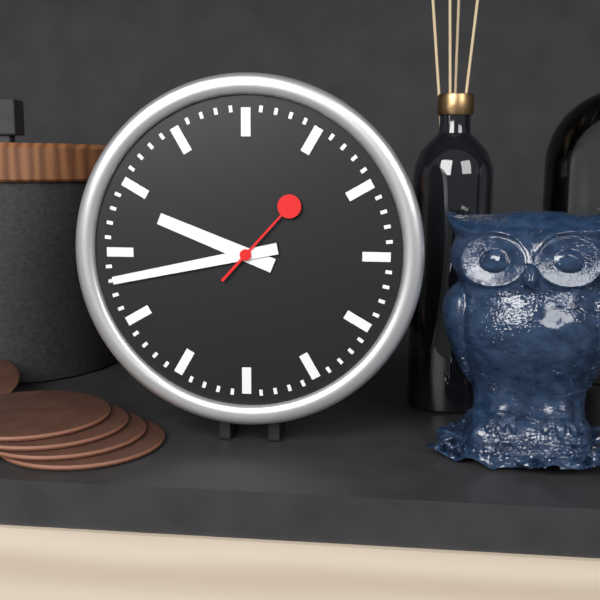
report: 9h43m07s
